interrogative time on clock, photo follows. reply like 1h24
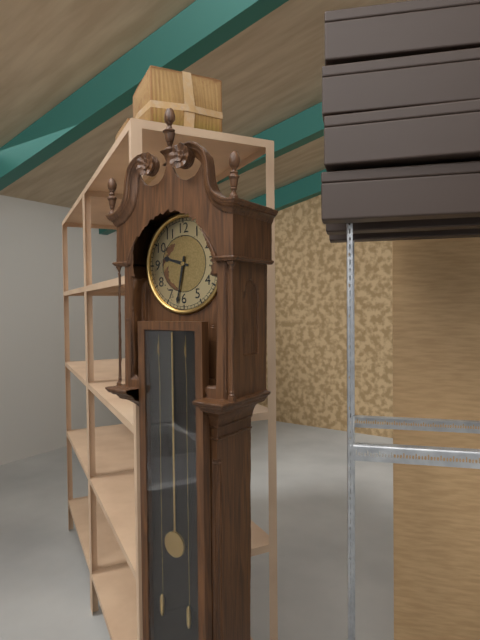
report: 9h32
